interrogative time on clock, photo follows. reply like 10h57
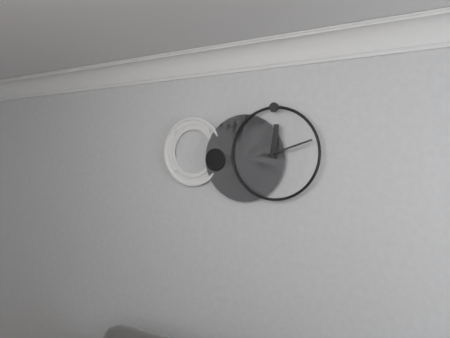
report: 12h12
